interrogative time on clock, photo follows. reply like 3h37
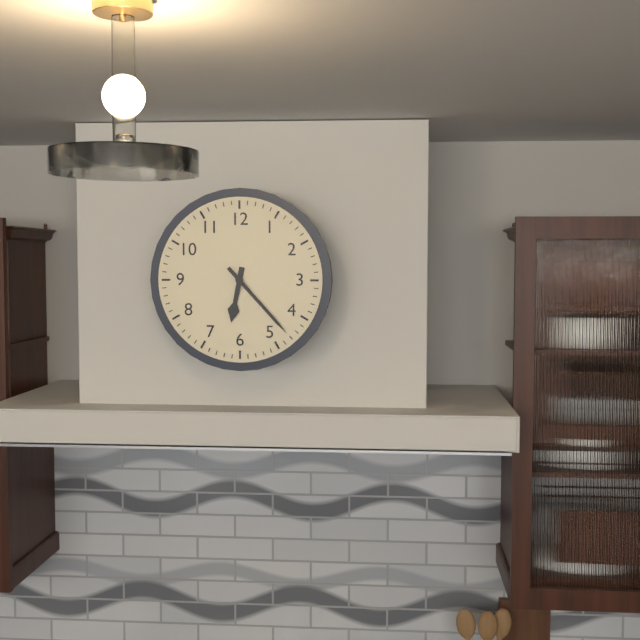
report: 6h23
